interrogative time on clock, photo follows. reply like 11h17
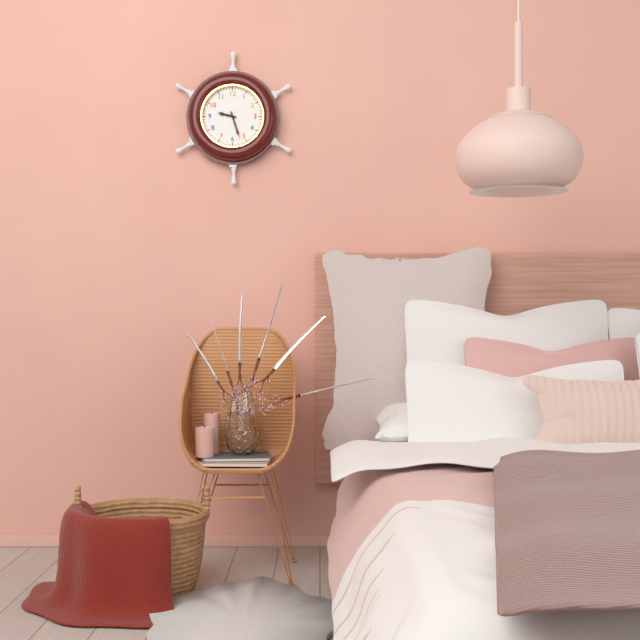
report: 9h27
